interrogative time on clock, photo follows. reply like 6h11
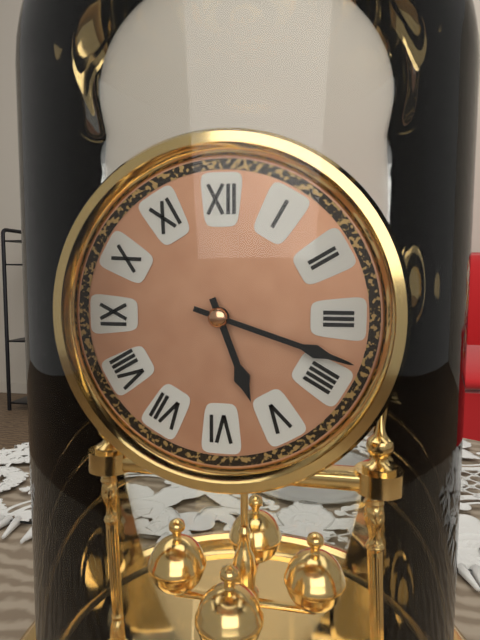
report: 5h18
